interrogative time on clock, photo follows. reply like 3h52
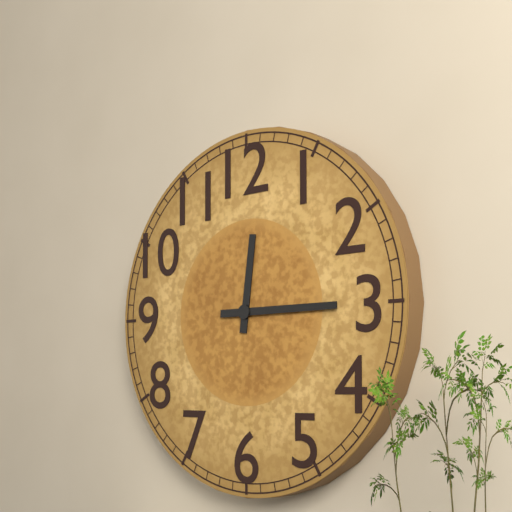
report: 12h15
